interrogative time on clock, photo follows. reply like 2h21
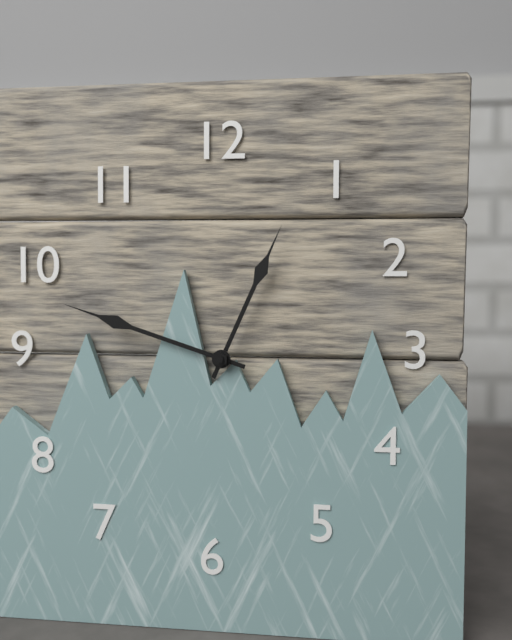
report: 12h48
